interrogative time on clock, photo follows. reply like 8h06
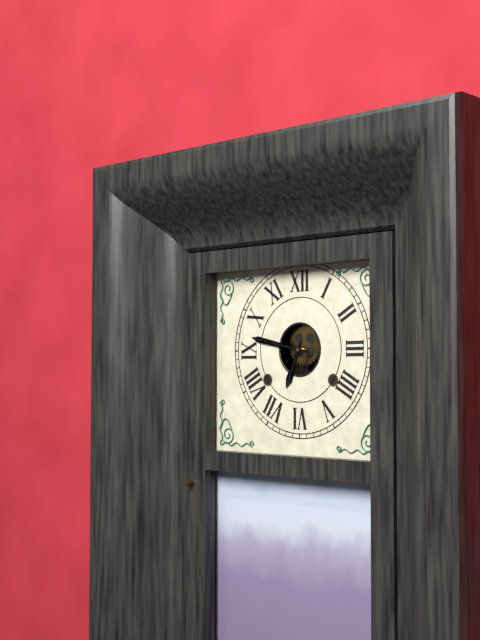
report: 6h47
